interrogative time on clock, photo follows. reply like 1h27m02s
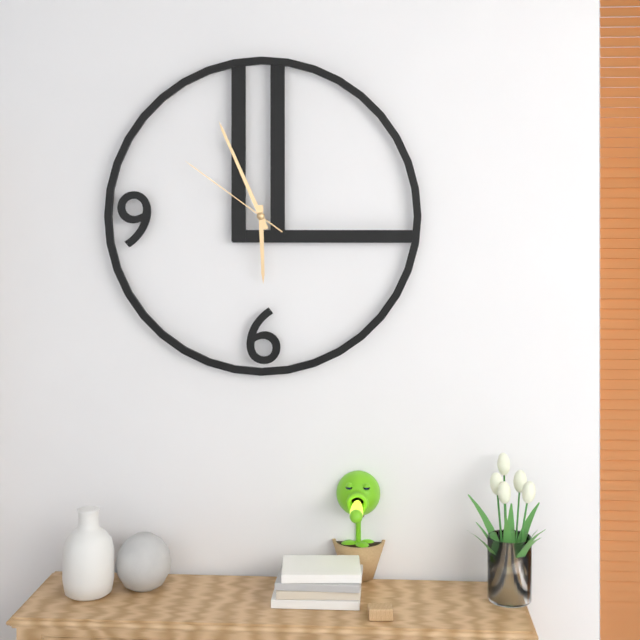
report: 5h56m51s
